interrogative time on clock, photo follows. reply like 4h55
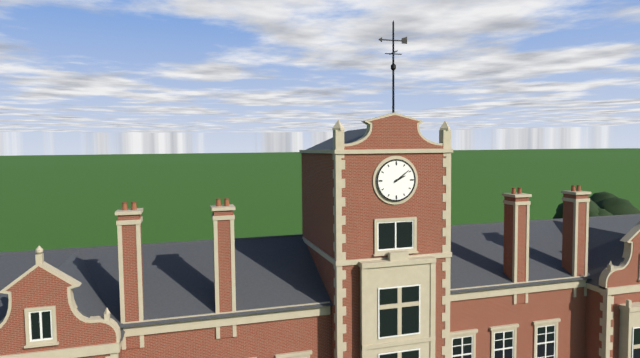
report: 2h09
